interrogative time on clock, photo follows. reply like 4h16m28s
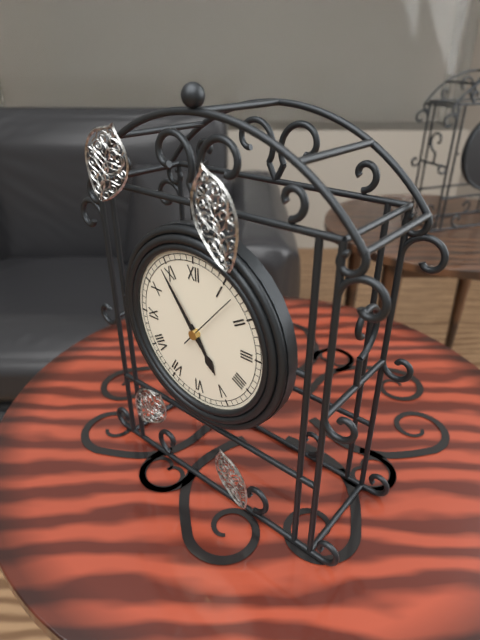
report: 4h54m07s
